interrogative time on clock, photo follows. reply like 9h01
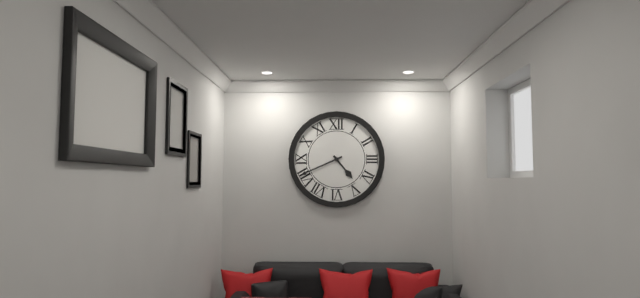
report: 4h41
